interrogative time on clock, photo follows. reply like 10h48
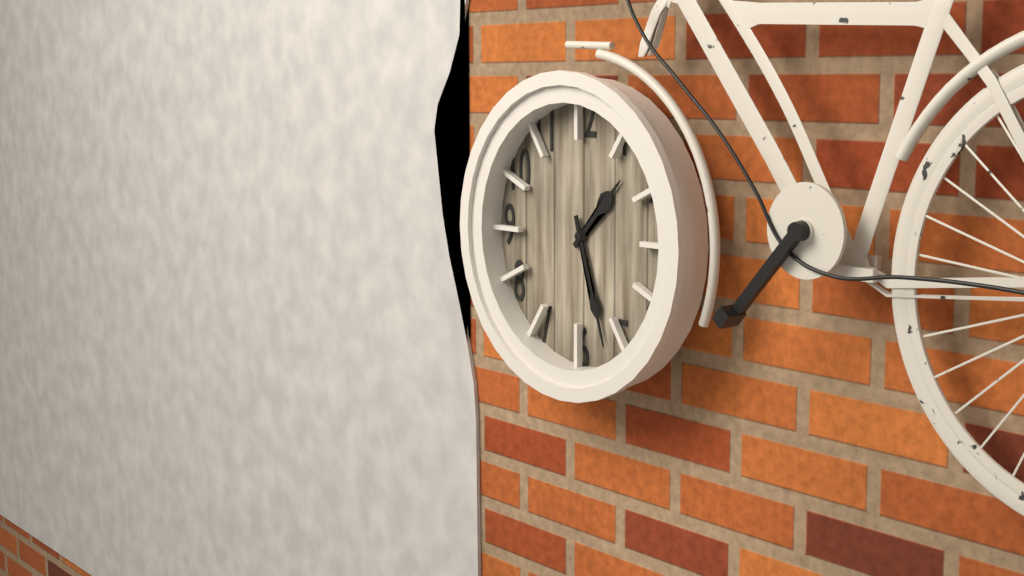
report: 1h27
